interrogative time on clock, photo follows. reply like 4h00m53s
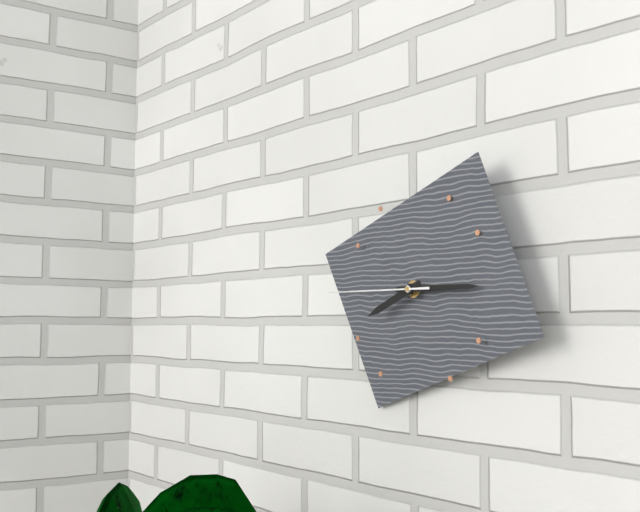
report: 8h15m45s
